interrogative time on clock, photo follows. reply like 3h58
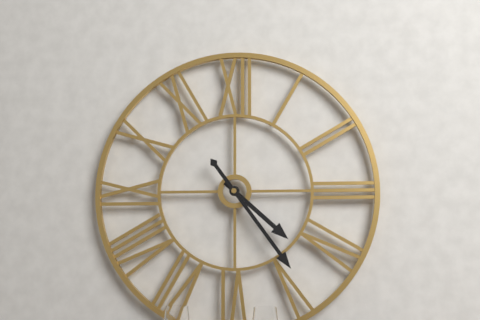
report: 4h24
